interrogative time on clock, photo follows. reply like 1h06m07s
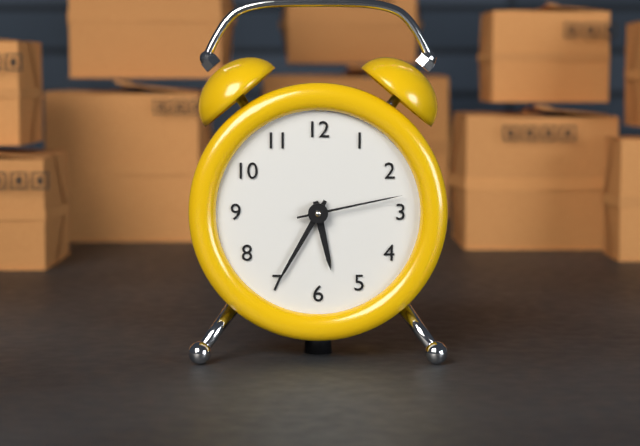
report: 5h35m13s
